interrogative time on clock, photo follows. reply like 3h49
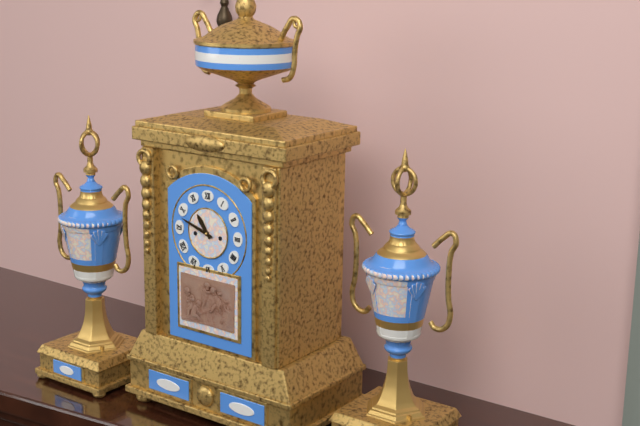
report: 10h48
